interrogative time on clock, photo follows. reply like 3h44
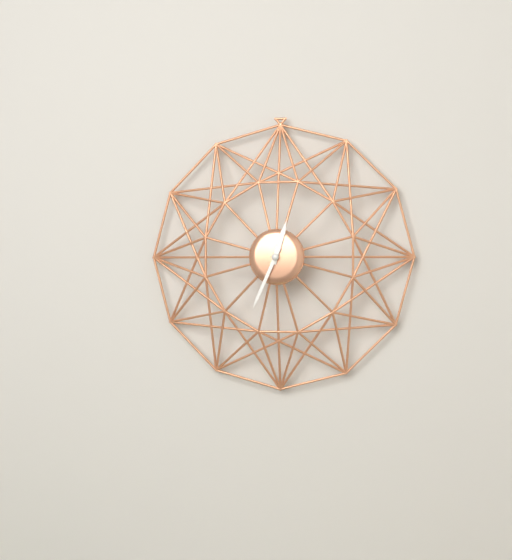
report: 12h34
